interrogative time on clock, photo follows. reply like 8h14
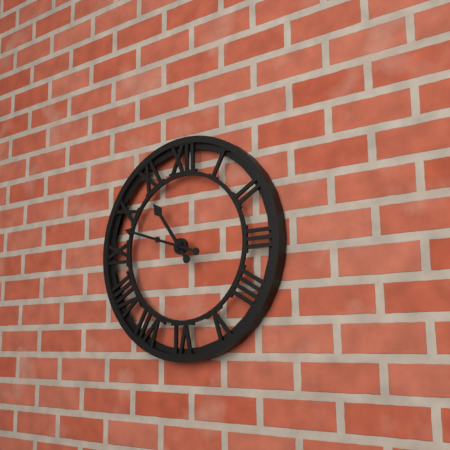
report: 10h48
